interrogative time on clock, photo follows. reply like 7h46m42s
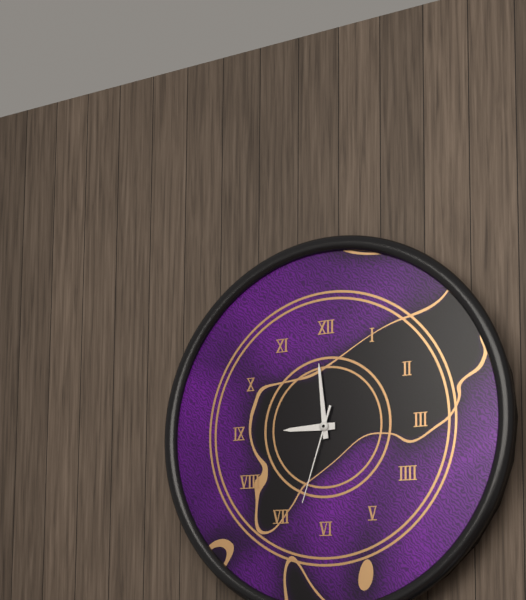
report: 8h59m33s
